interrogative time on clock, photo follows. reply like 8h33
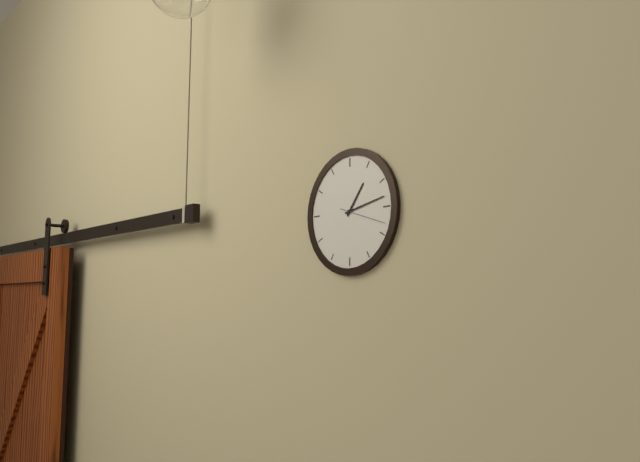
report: 1h13
